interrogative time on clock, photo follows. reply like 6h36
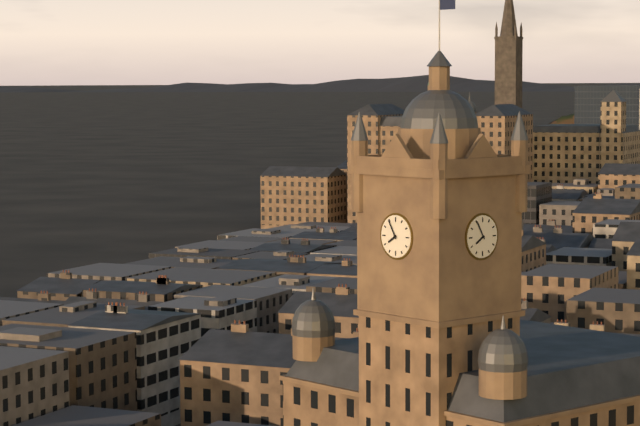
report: 7h55
